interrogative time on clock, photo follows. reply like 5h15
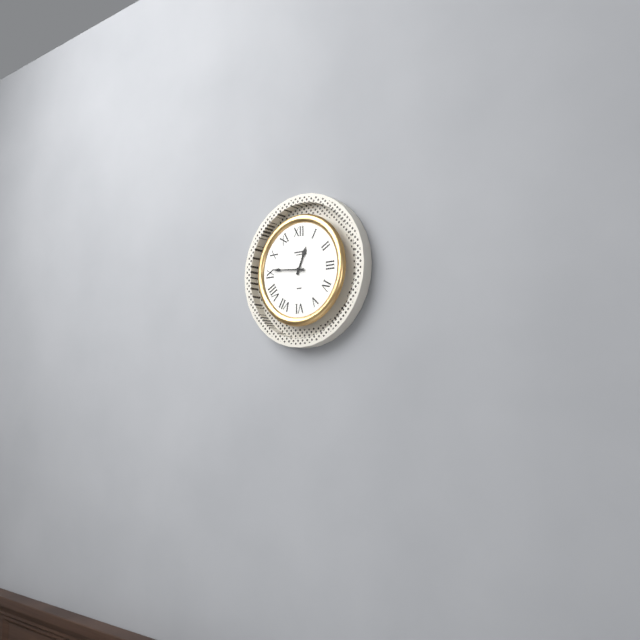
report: 12h46
